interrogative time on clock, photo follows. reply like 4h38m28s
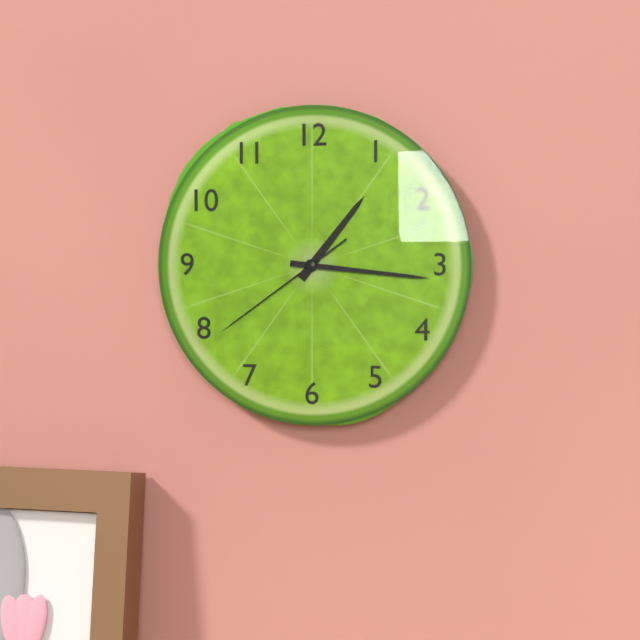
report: 1h16m39s
